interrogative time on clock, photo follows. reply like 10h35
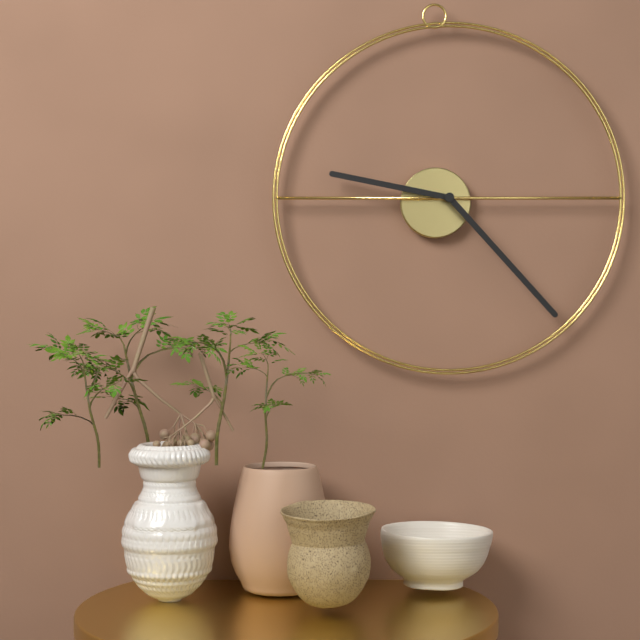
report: 9h23
